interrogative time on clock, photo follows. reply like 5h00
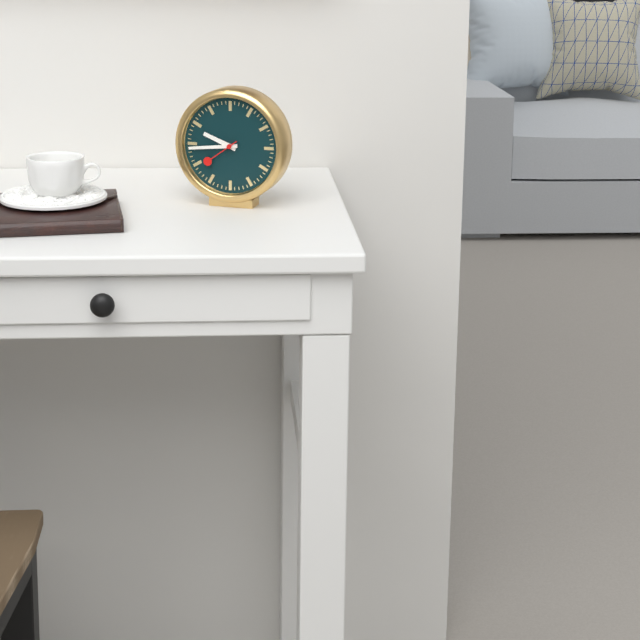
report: 9h44
